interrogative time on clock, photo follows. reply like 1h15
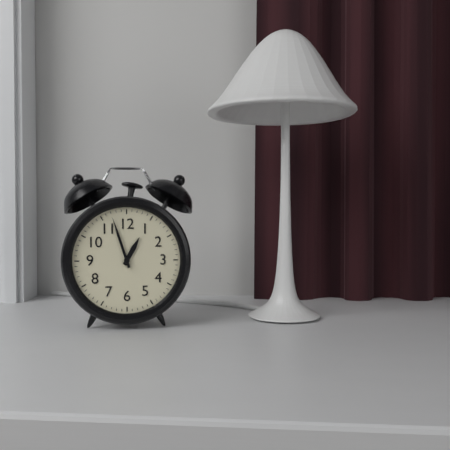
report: 12h57
